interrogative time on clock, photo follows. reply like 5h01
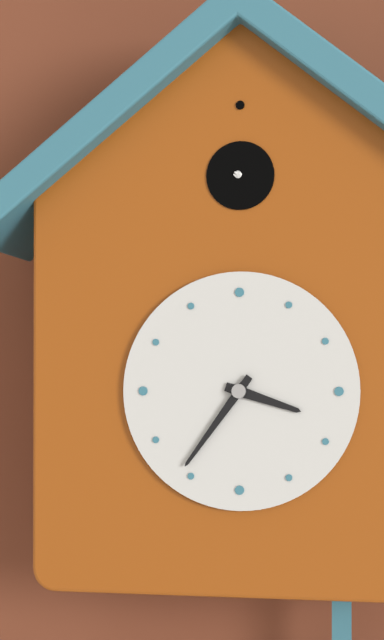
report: 3h36
